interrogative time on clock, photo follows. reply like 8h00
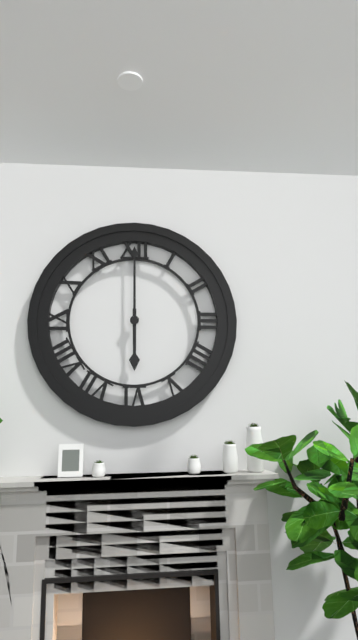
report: 6h00
